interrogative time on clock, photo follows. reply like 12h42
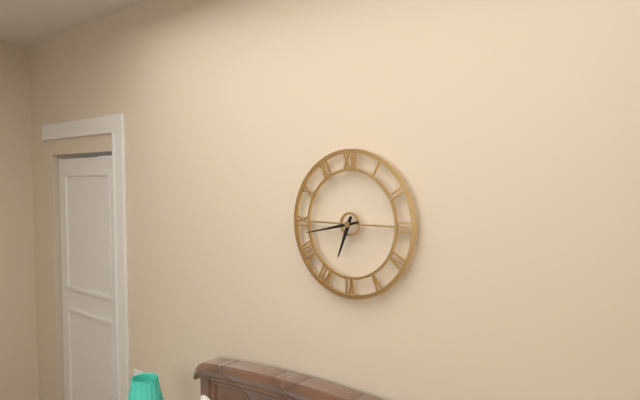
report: 6h43
